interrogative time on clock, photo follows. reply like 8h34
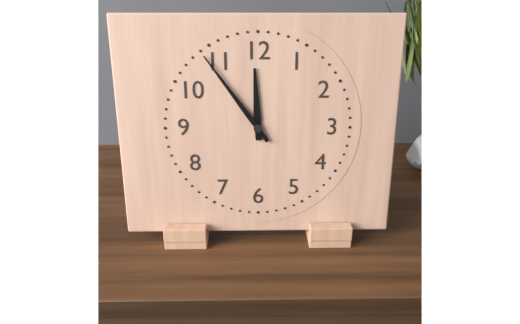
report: 11h54
